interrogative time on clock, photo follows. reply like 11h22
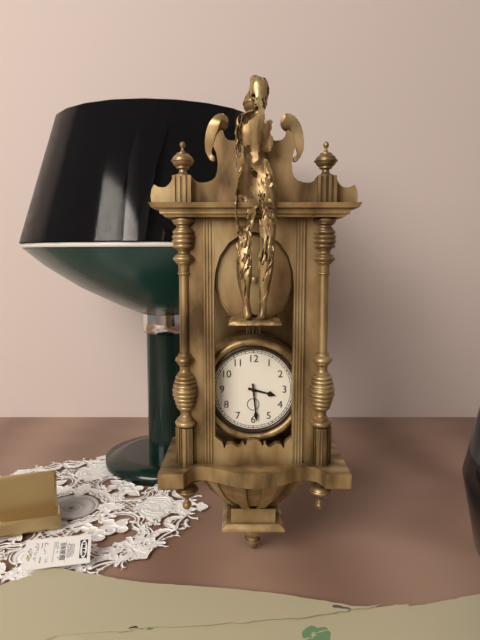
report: 3h29
